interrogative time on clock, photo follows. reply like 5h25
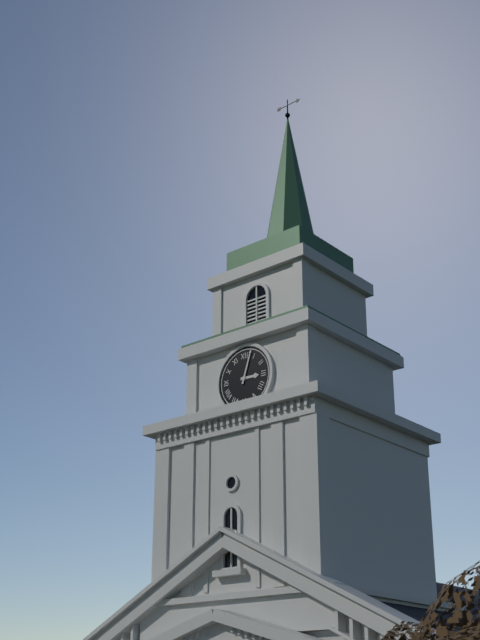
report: 3h03
